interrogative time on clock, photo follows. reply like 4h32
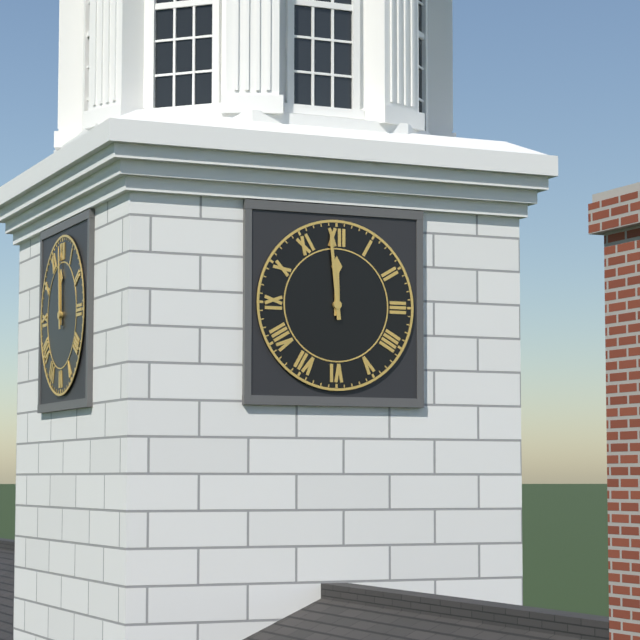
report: 11h59
